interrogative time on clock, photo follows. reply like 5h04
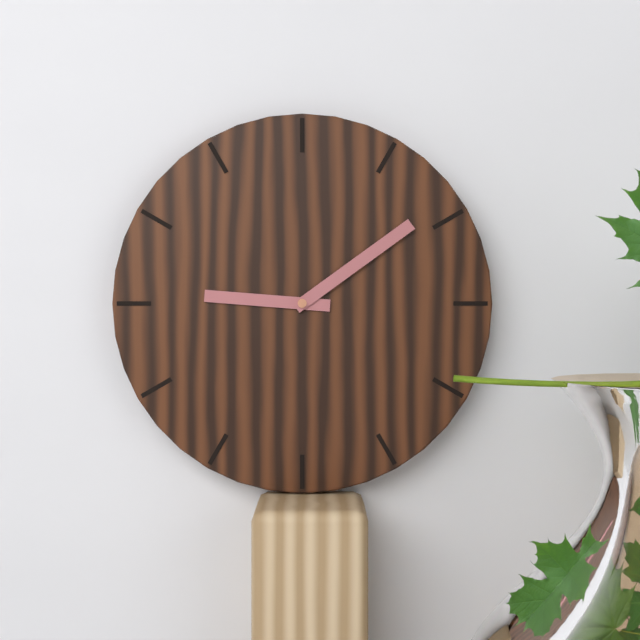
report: 9h09
